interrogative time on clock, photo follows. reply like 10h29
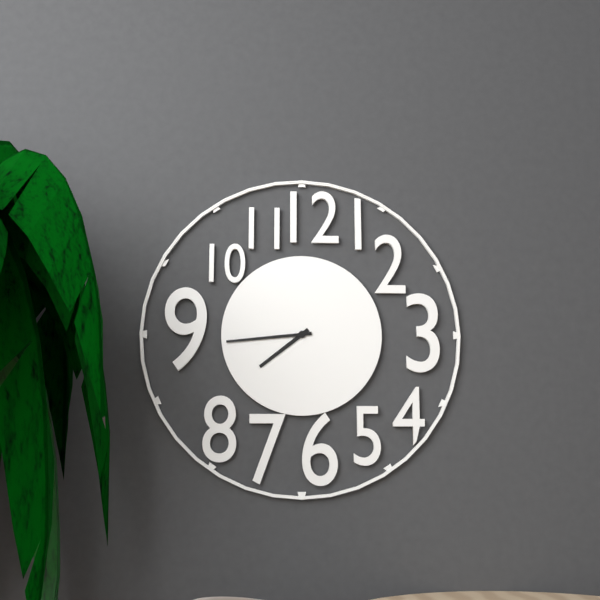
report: 7h44
